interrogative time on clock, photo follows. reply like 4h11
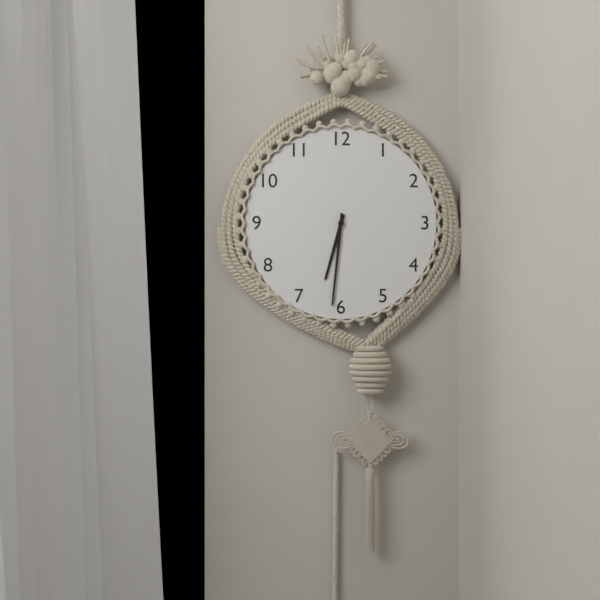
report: 6h31
